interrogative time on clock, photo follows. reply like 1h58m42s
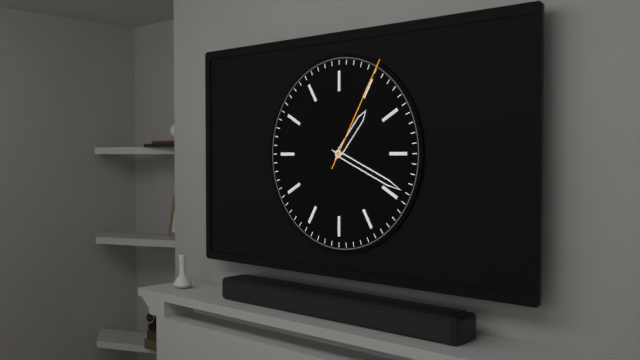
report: 1h19m05s
